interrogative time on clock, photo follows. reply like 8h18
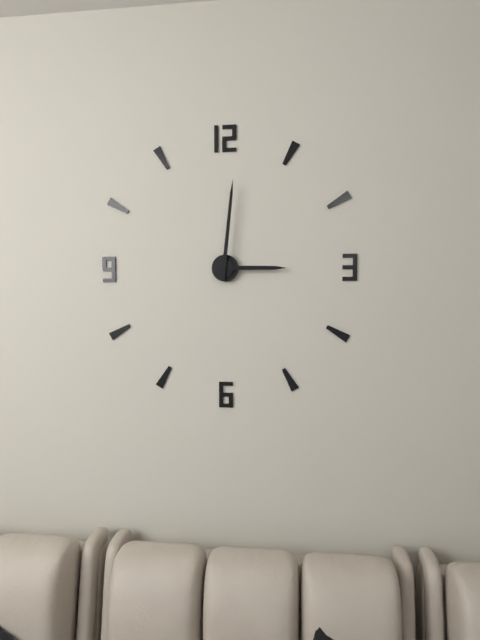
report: 3h01
